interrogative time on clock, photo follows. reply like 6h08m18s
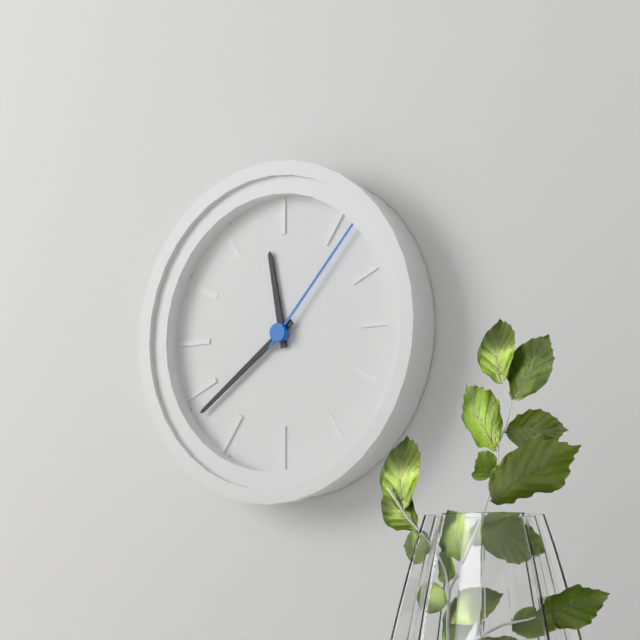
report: 11h39m07s
